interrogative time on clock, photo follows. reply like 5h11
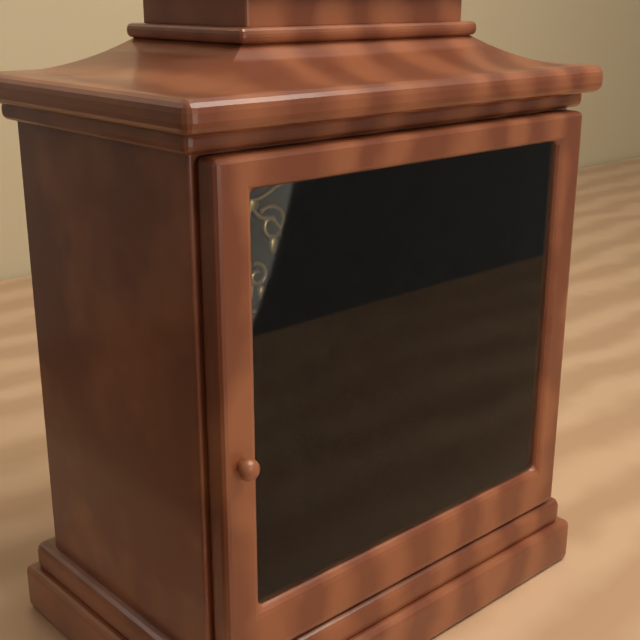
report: 3h27
